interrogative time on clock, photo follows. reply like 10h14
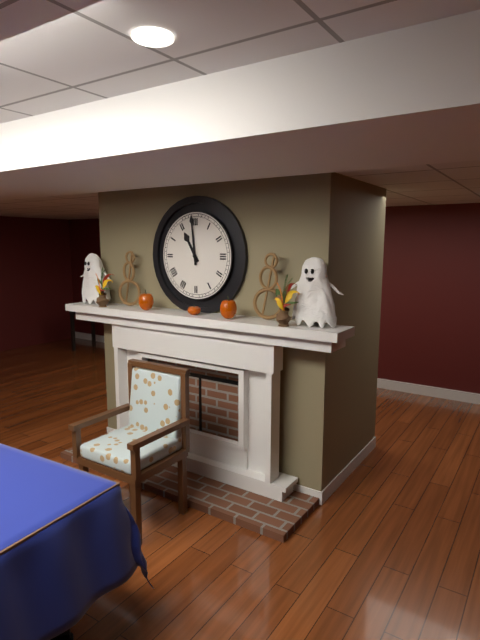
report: 10h59
